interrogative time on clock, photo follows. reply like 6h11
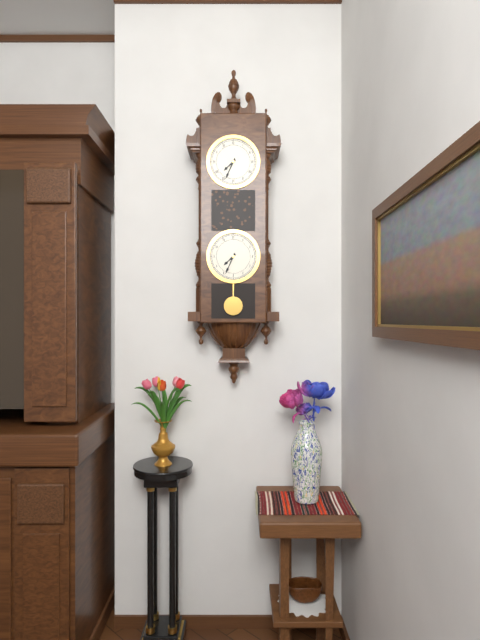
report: 7h34
